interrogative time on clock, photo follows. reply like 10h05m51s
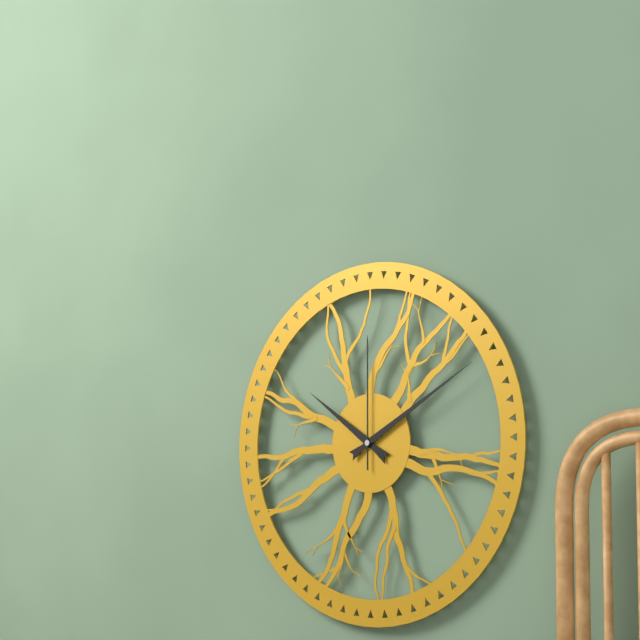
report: 10h10m00s
